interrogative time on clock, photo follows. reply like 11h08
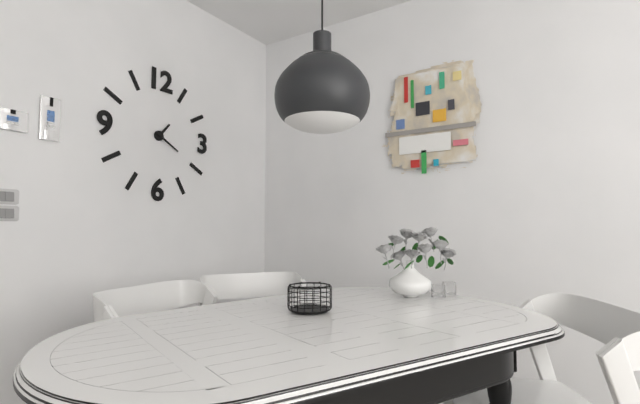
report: 1h20
